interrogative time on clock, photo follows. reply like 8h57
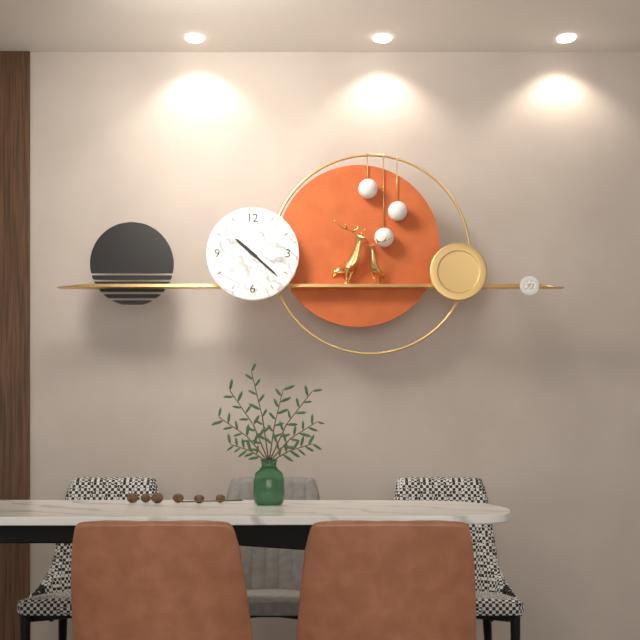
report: 10h22
